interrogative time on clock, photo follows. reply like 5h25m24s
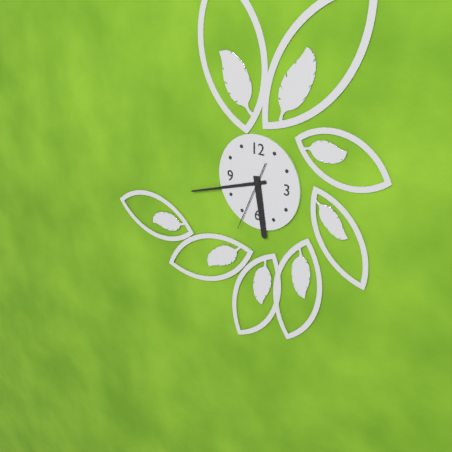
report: 5h42m34s
